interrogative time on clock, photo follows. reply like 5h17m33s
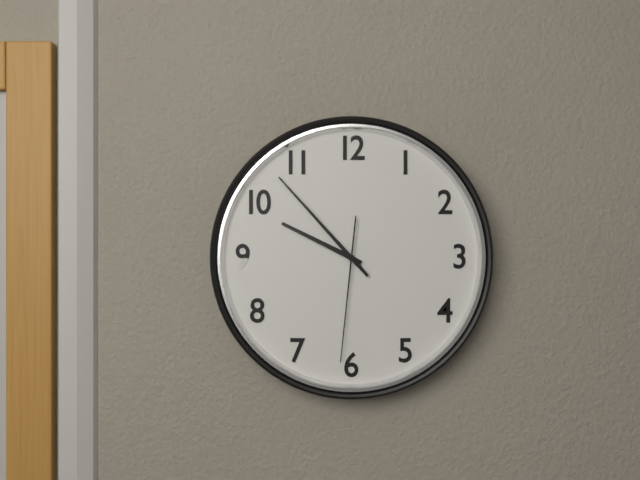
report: 9h53m31s
